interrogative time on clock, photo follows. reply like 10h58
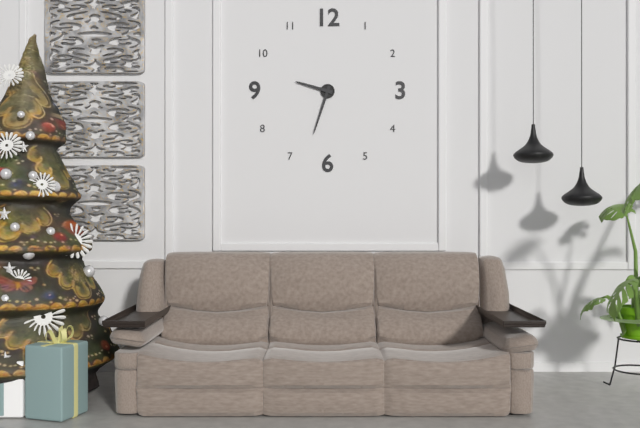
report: 9h33
